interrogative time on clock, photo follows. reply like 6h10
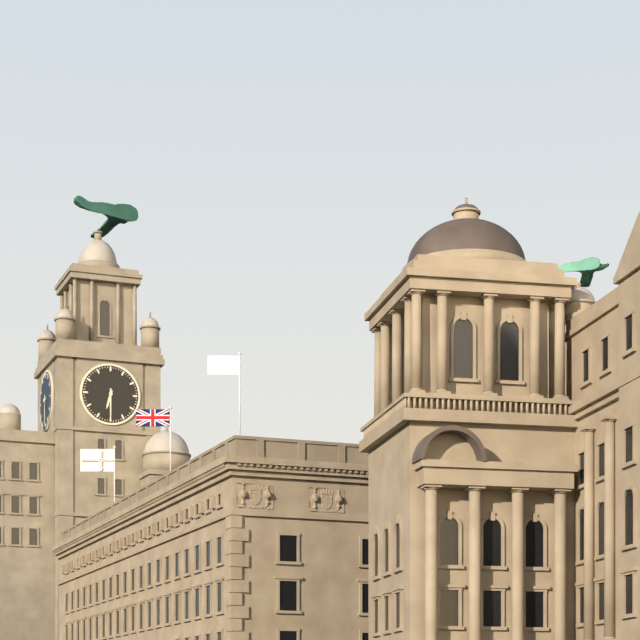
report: 6h30
